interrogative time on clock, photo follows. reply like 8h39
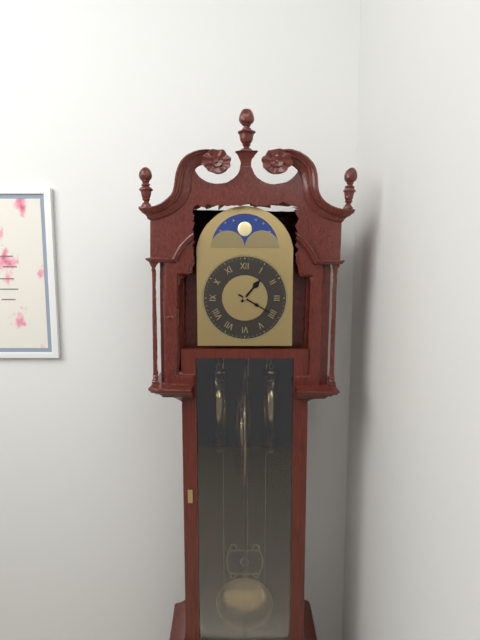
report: 1h20
